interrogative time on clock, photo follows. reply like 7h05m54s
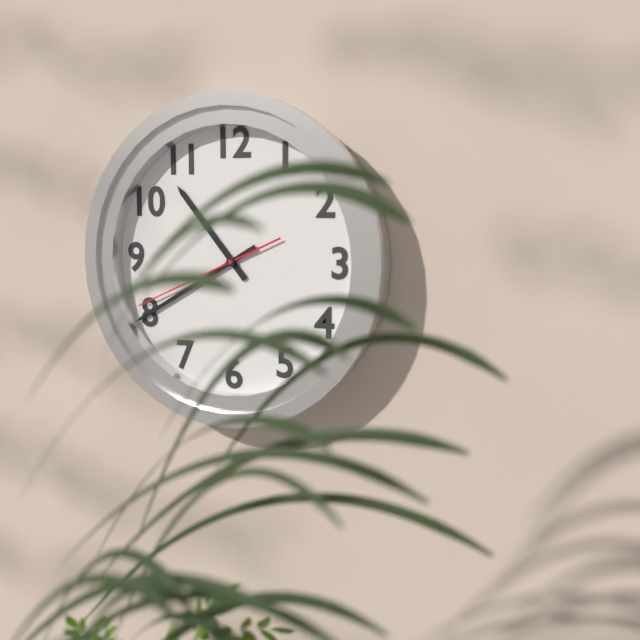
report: 10h40m41s
